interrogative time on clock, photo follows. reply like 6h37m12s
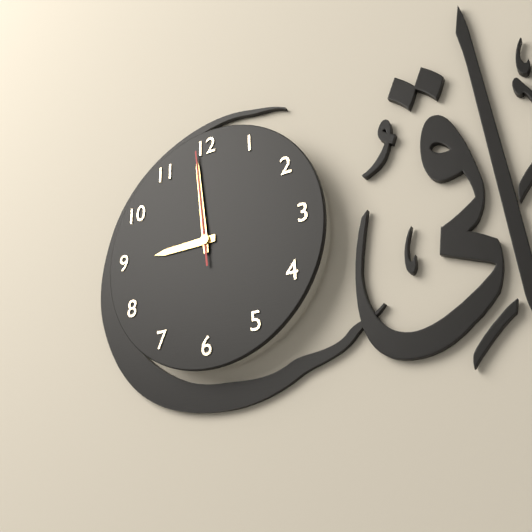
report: 8h59m59s
